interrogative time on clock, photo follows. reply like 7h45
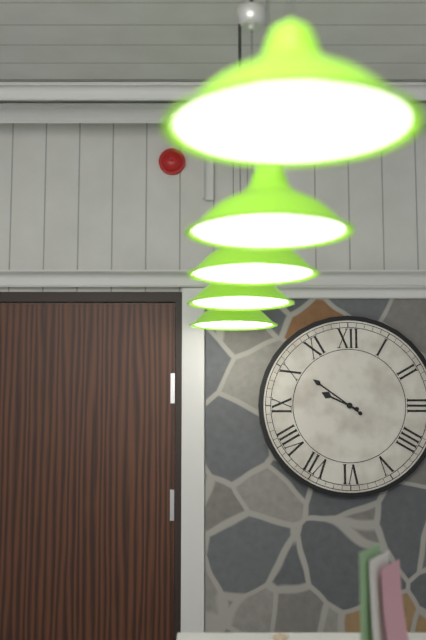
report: 9h51
